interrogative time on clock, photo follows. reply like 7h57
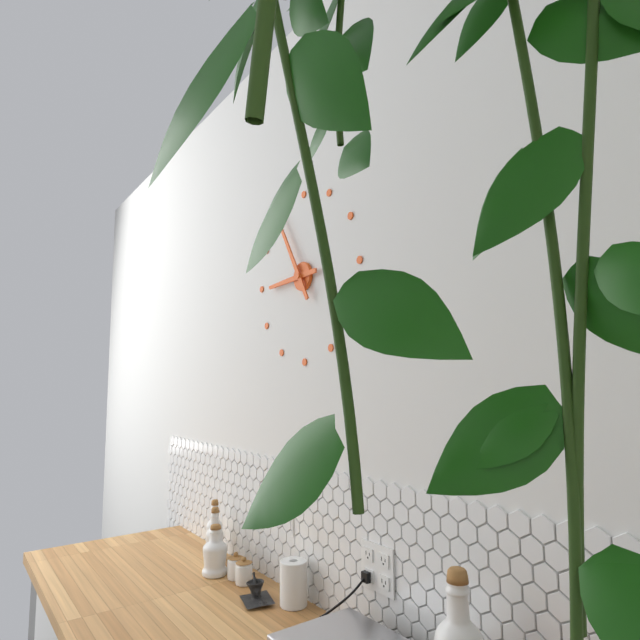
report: 8h55
